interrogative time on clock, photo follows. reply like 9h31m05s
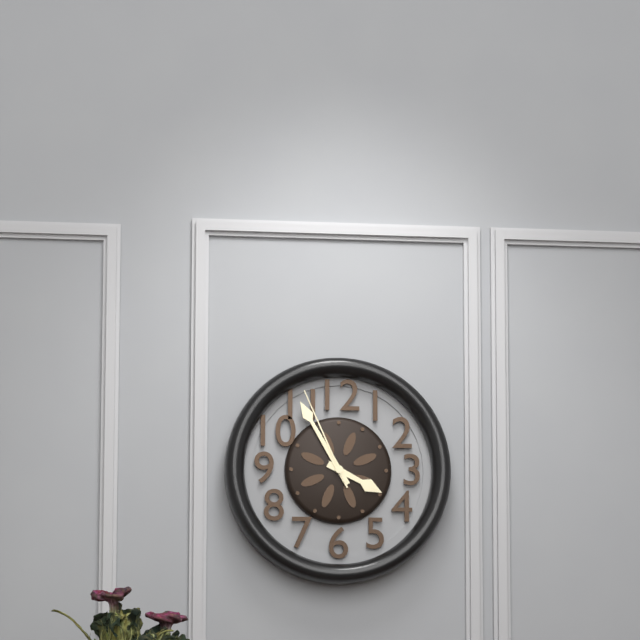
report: 3h55m56s
